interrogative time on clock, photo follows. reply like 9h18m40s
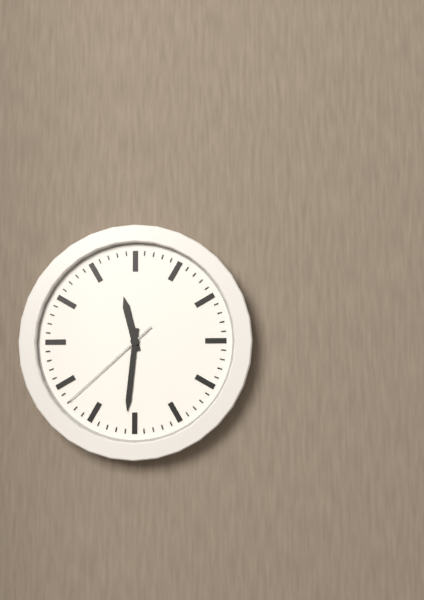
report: 11h31m38s
